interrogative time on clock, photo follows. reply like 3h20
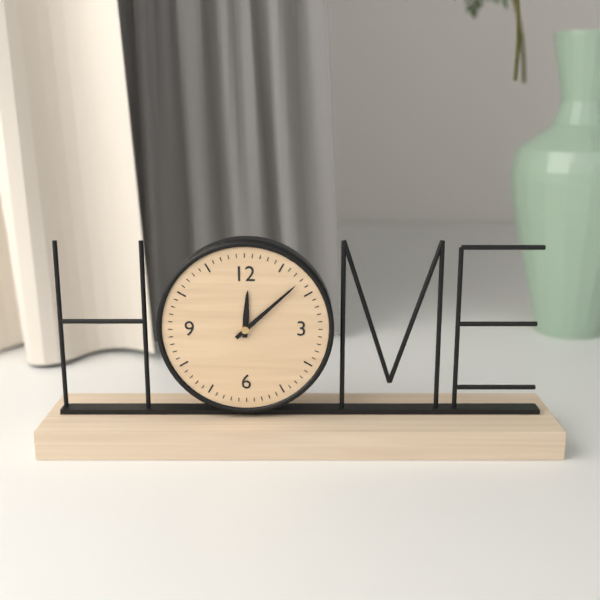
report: 12h08
